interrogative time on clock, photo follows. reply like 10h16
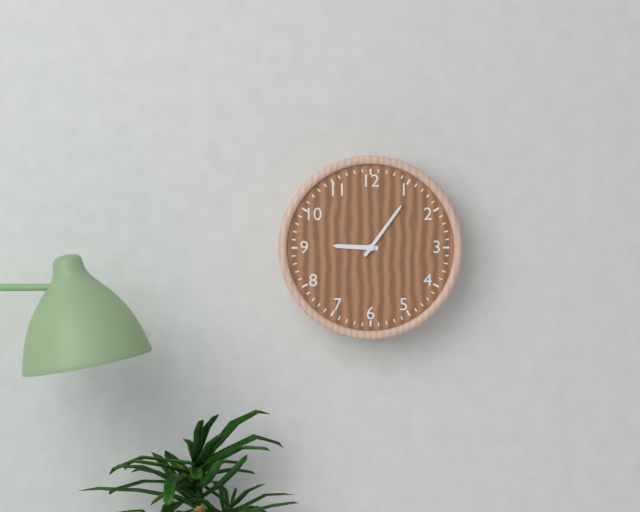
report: 9h06
